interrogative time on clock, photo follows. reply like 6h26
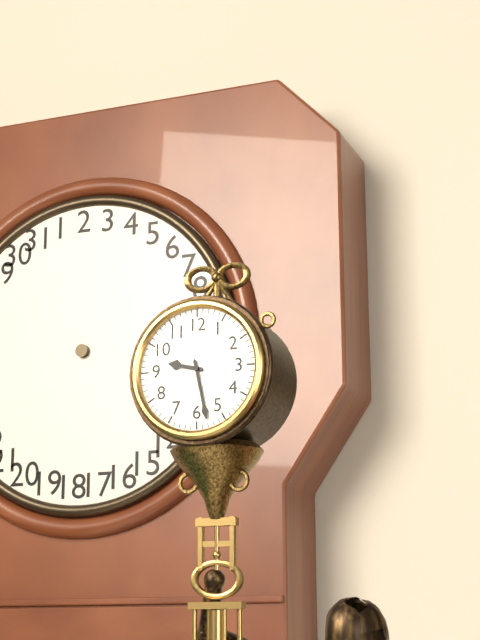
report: 9h28
